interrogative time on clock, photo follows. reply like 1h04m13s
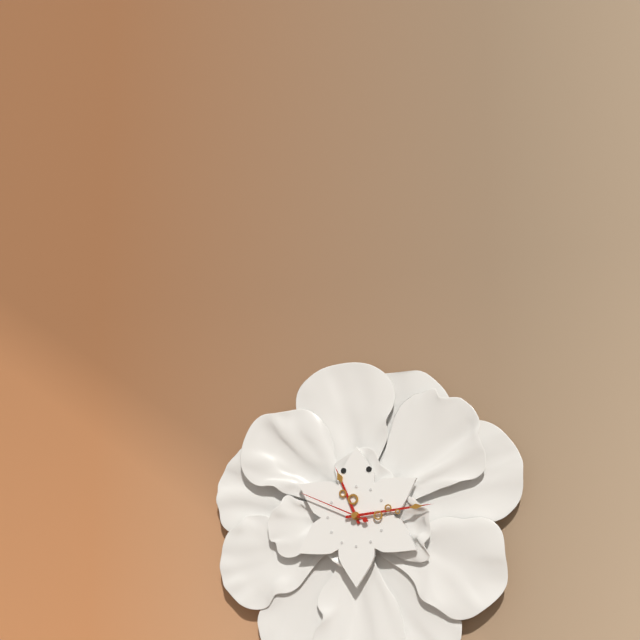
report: 11h14m49s
